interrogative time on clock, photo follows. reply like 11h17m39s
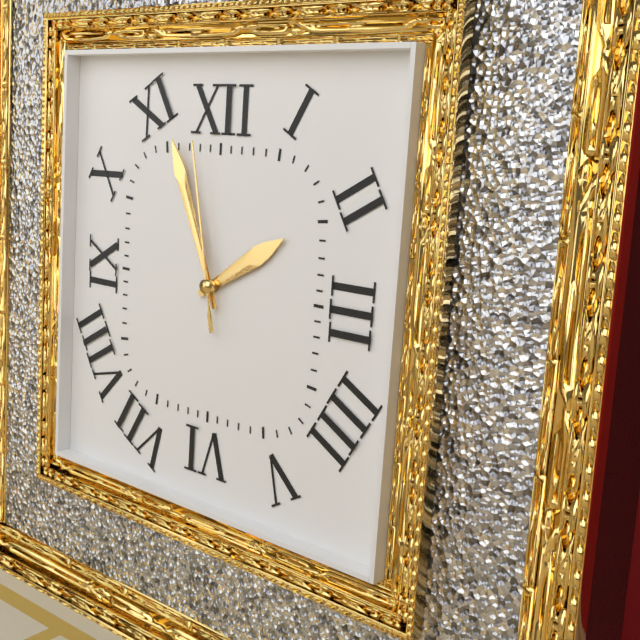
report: 1h56m58s
